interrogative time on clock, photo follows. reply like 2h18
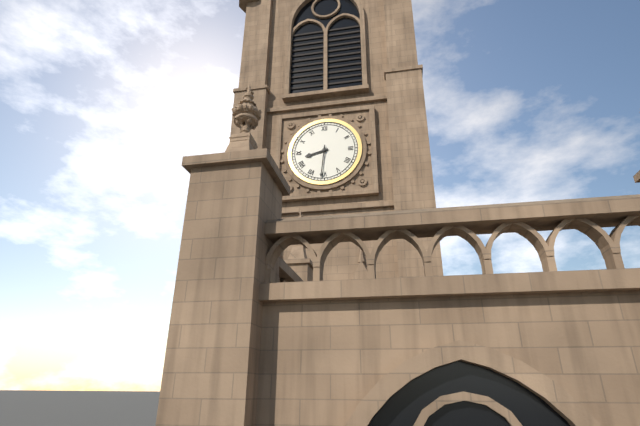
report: 8h31
